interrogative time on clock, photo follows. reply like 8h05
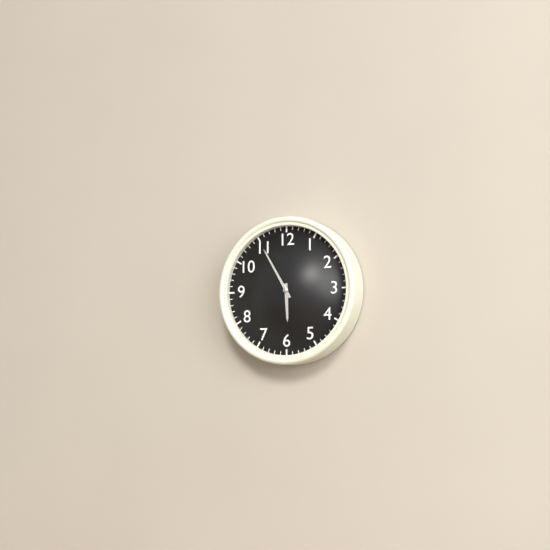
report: 5h55
